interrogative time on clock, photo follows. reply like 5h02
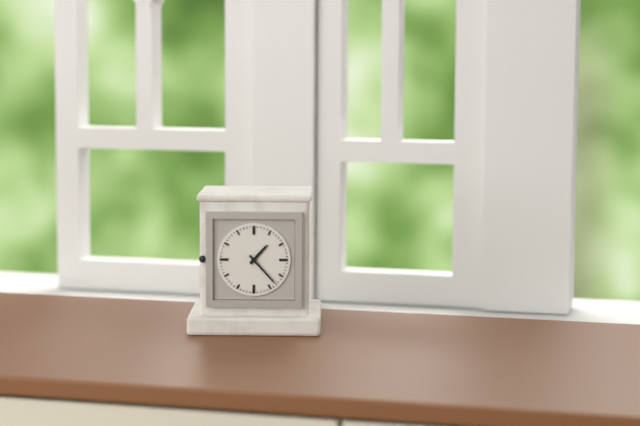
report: 1h23
